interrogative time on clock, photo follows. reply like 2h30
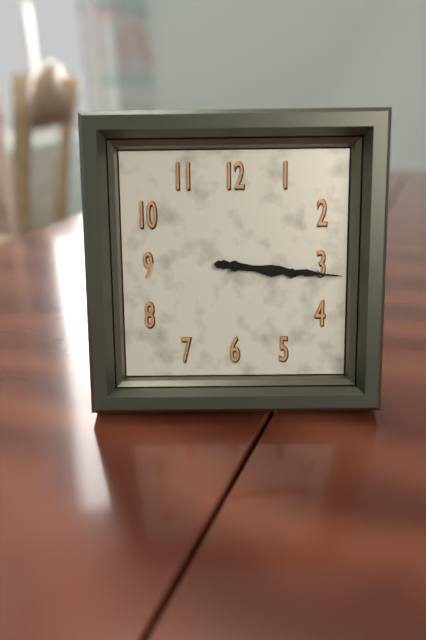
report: 3h16
